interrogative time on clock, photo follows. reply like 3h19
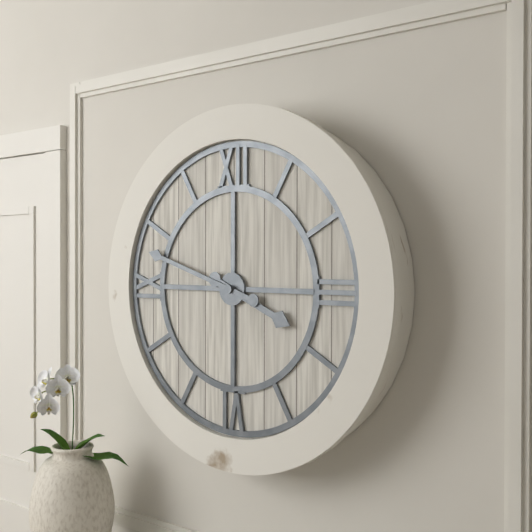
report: 3h48
